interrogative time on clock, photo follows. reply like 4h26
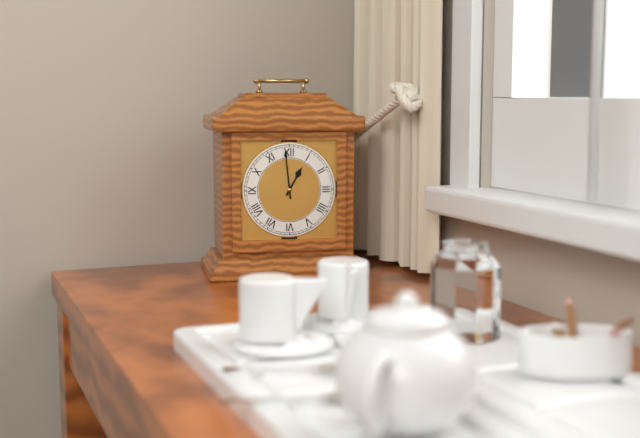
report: 12h59
